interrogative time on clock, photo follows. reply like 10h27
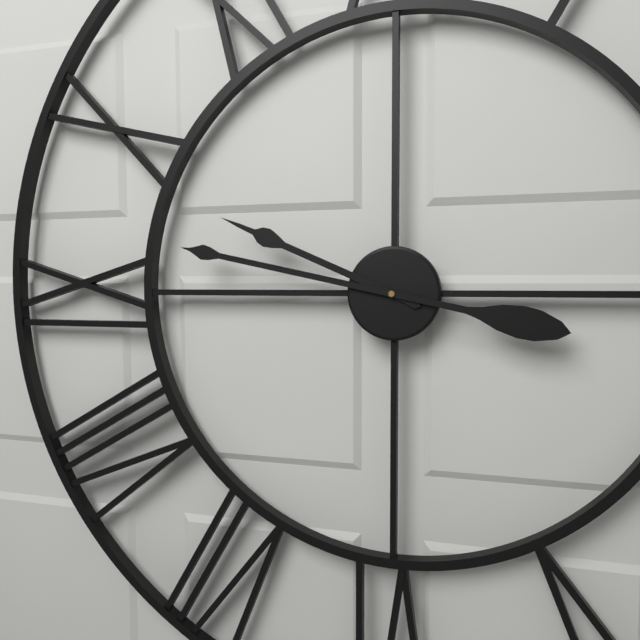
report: 9h47
